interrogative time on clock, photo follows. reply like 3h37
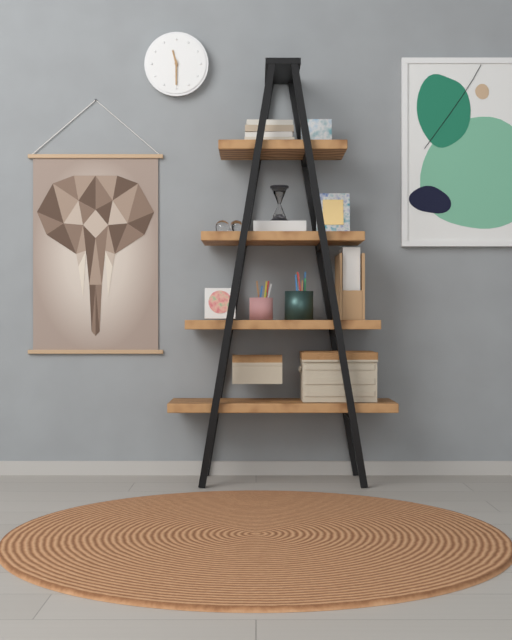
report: 11h30
